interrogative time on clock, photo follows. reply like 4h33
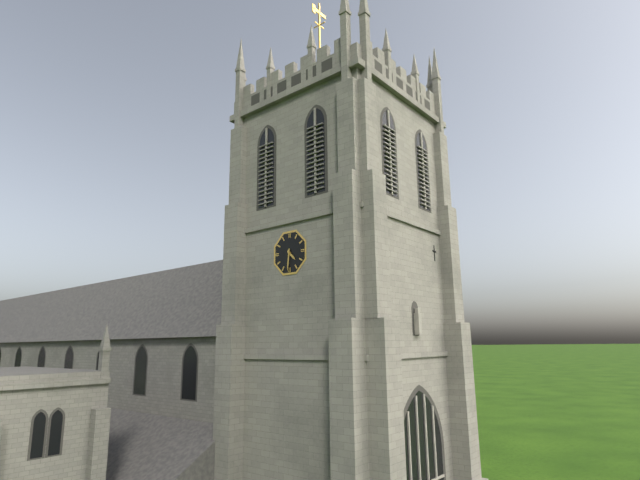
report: 4h31
